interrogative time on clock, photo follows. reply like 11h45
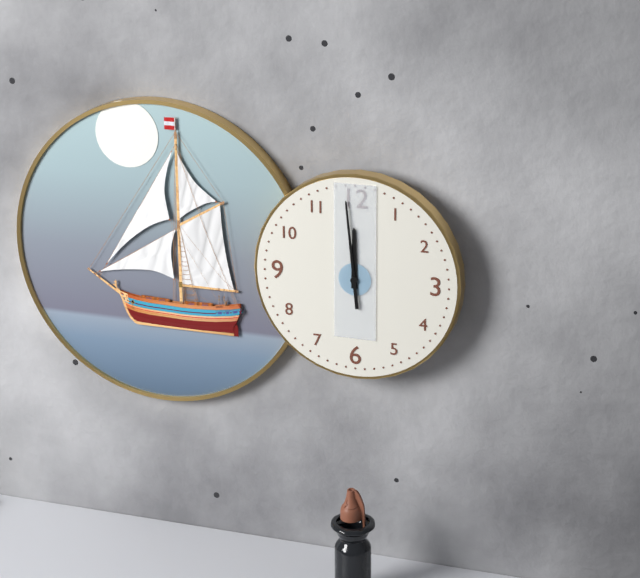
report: 11h59
